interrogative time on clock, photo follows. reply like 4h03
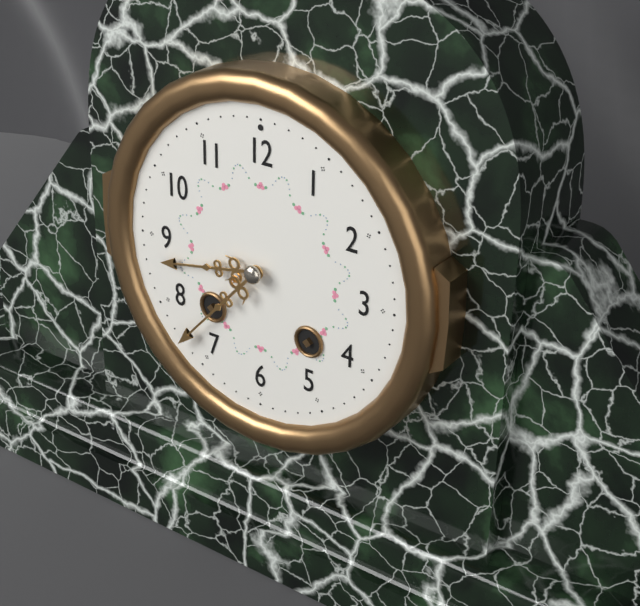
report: 8h37
